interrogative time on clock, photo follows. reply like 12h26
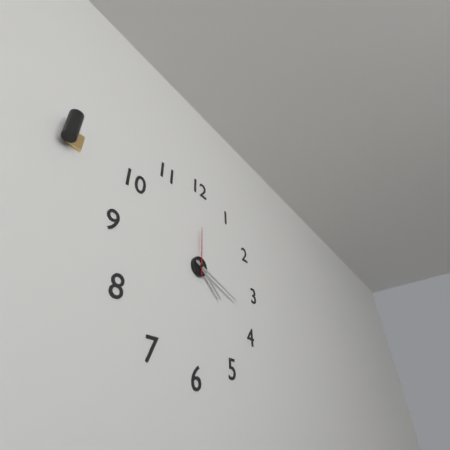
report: 4h18
